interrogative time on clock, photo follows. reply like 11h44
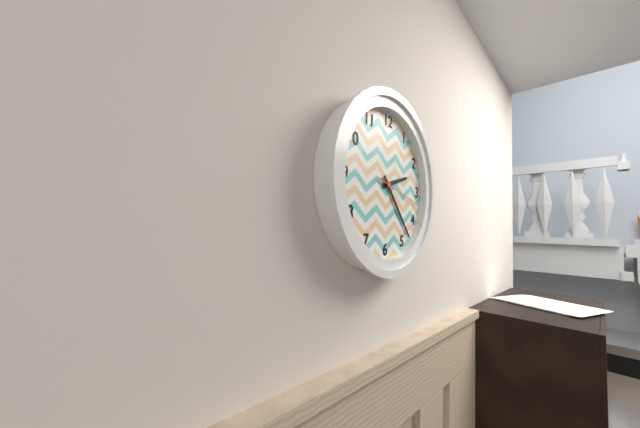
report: 2h23
